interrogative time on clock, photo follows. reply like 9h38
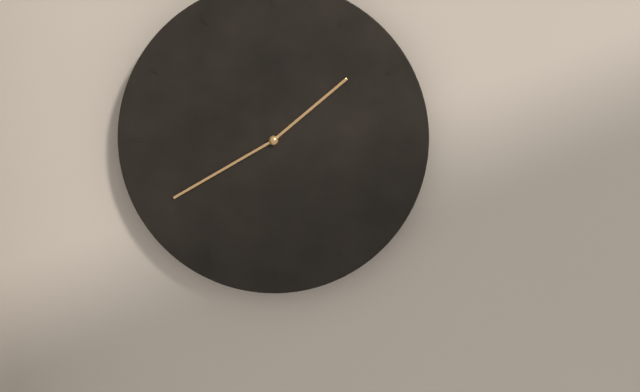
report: 1h40
